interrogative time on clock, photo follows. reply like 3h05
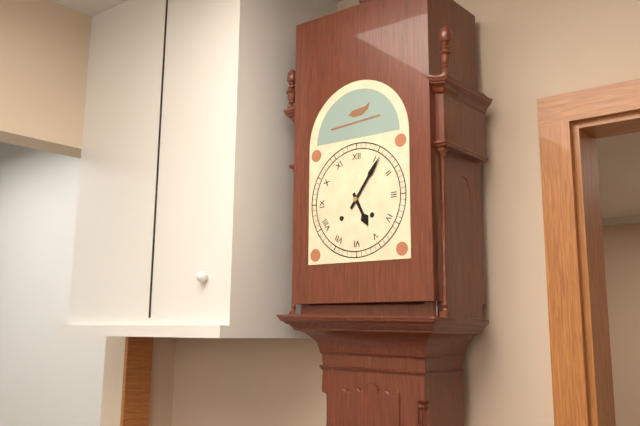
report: 5h06
